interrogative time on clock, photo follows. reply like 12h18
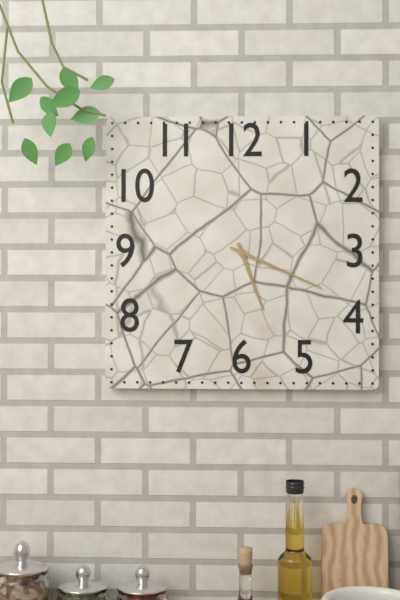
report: 5h19
